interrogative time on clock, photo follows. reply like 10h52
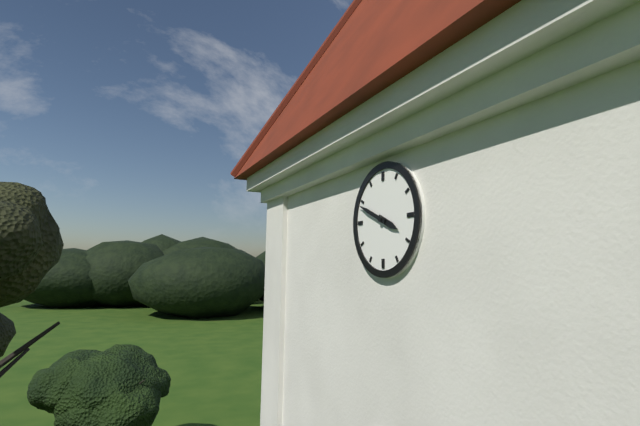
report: 3h49
